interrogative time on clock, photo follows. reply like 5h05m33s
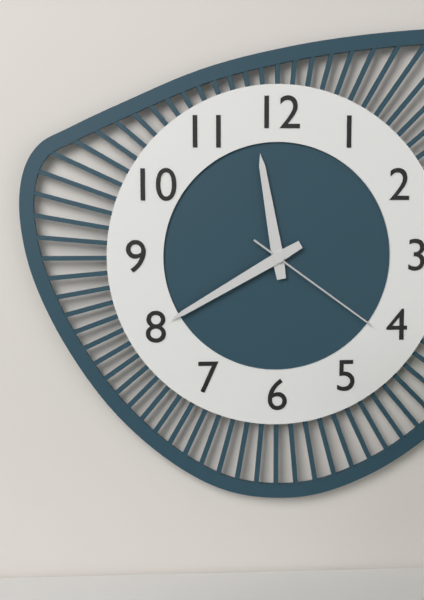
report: 11h40m21s
